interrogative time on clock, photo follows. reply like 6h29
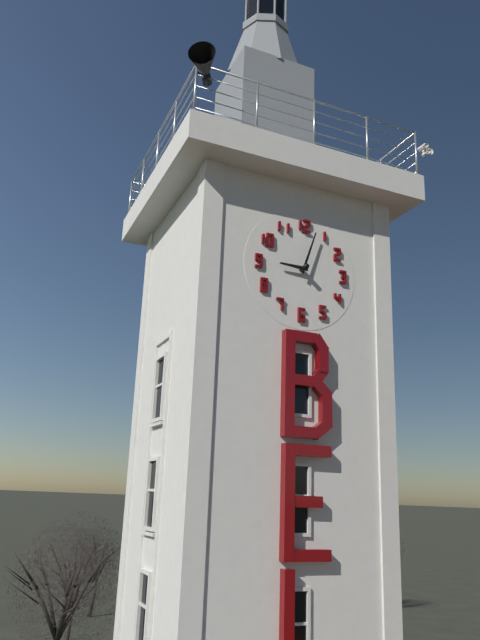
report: 9h03
